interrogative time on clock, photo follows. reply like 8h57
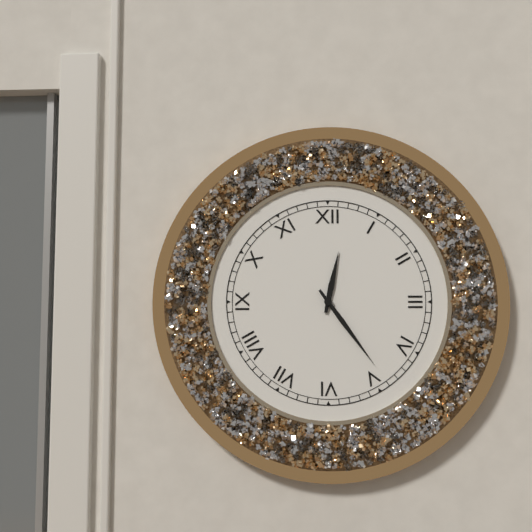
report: 12h24
